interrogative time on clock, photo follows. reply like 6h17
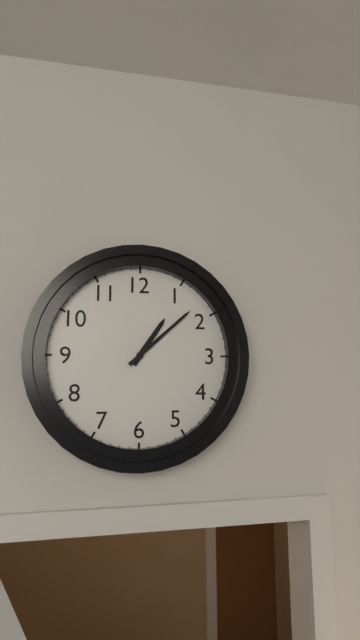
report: 1h08
